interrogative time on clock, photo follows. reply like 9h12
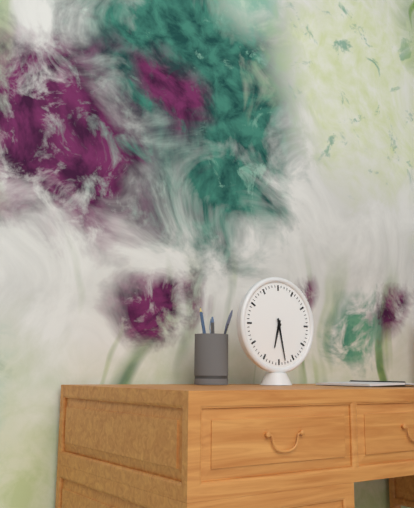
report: 6h28
